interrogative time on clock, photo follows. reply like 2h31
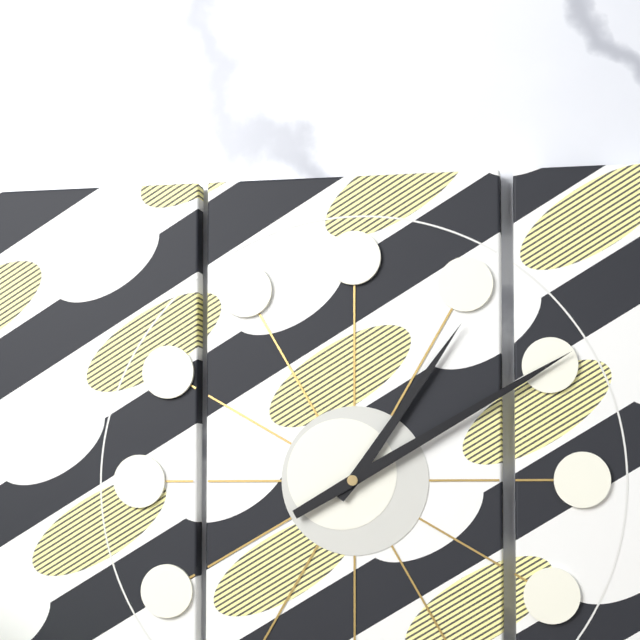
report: 1h10
